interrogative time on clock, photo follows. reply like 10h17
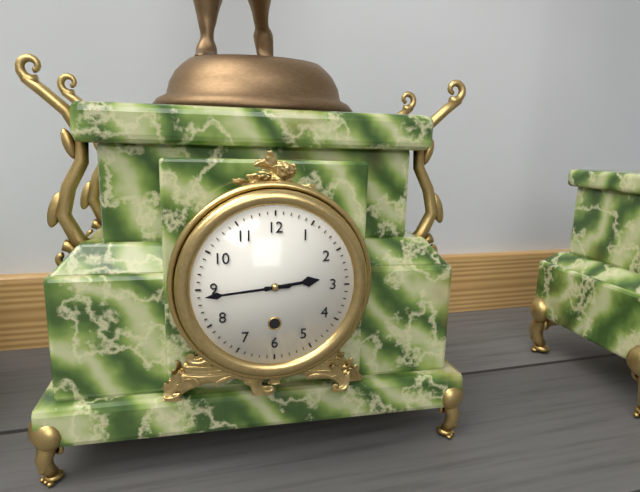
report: 2h44
